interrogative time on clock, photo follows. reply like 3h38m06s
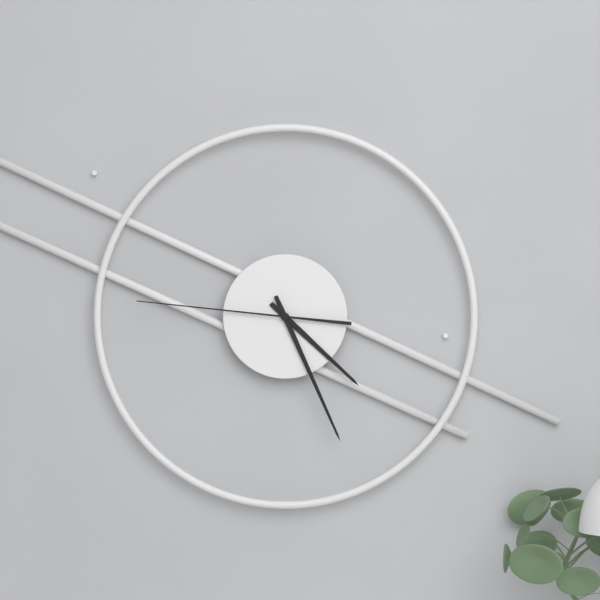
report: 4h26m46s
